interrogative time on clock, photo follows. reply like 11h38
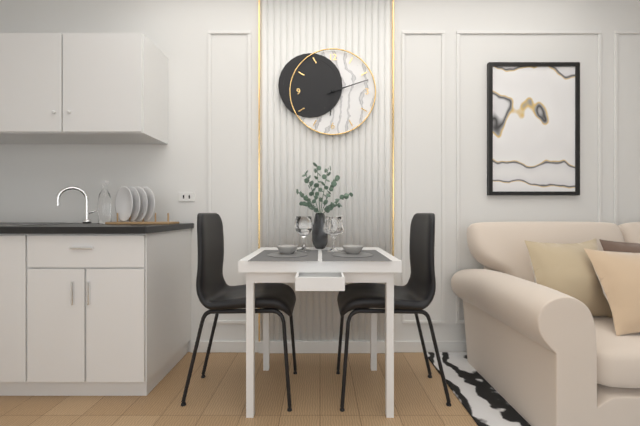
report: 6h12
